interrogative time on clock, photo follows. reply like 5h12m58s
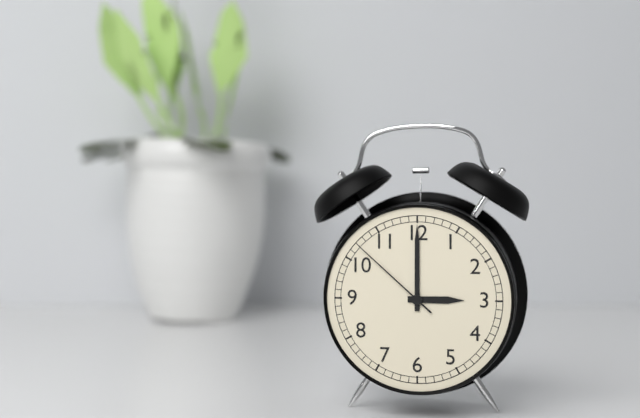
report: 3h00m52s
